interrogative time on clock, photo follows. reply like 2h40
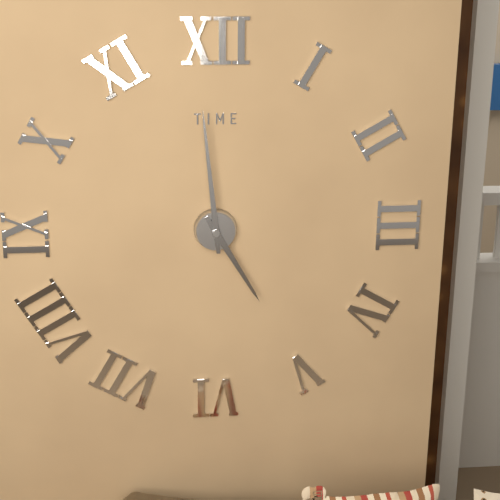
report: 4h59
